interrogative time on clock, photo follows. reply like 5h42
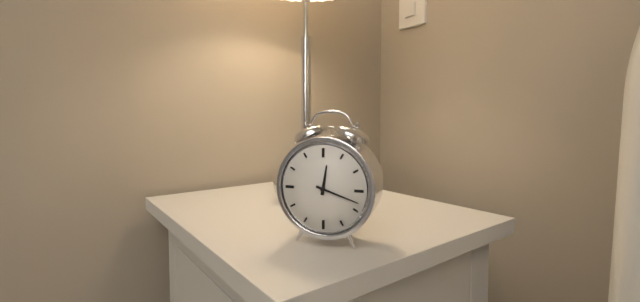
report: 12h18
